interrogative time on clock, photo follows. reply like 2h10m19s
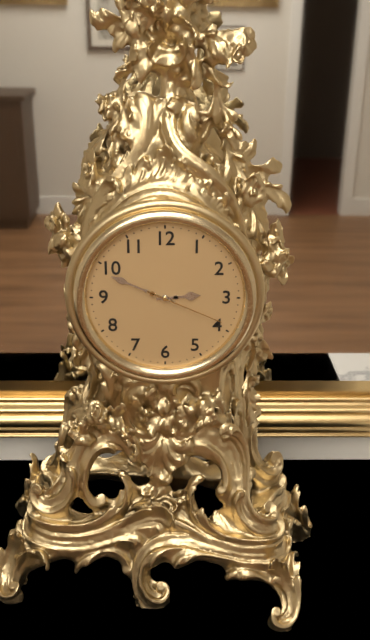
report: 2h49m19s
